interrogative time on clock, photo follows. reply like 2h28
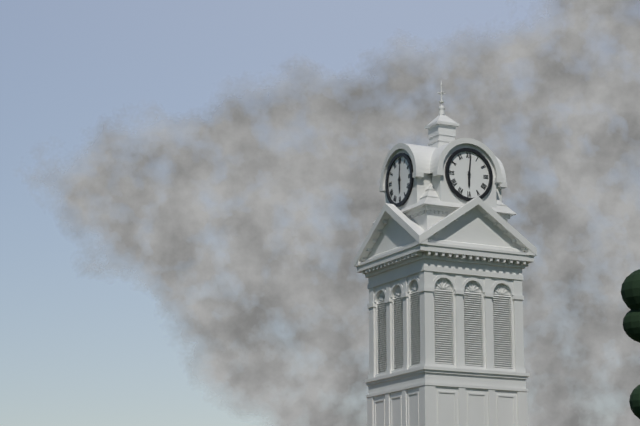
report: 6h01
